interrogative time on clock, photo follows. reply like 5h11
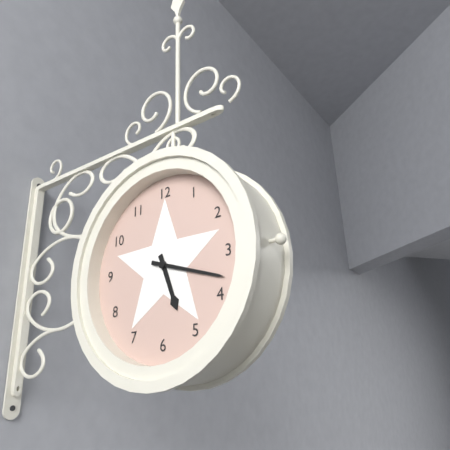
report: 5h18
